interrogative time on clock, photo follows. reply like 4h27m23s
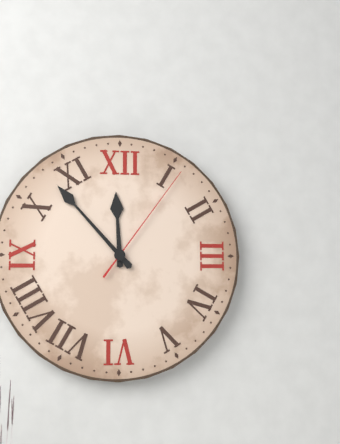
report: 11h53m06s
